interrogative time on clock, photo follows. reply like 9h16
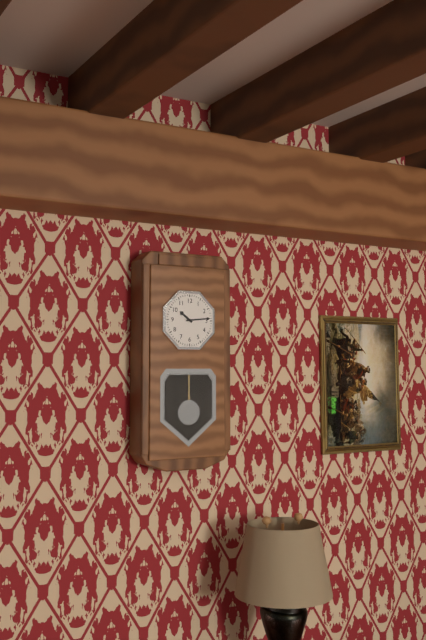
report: 10h14
